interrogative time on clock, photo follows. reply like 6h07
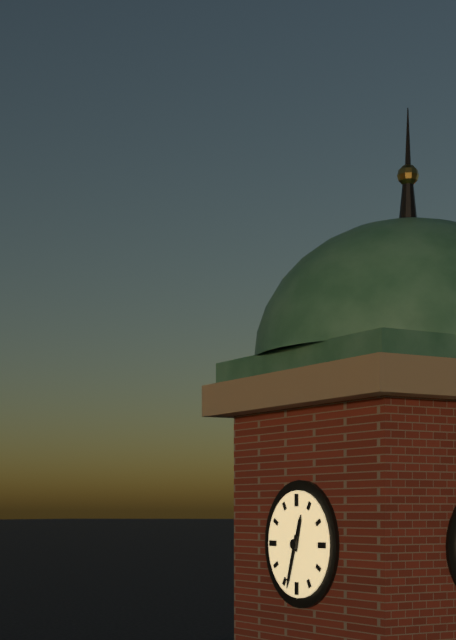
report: 12h33
